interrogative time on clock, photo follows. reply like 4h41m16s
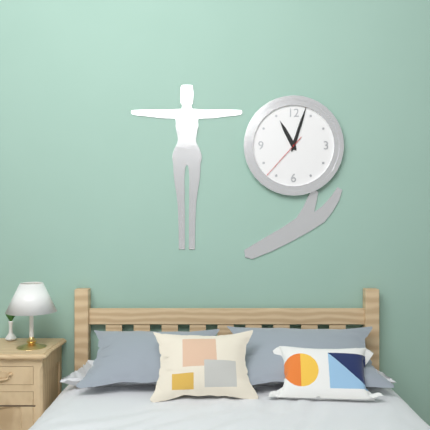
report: 11h03m37s
